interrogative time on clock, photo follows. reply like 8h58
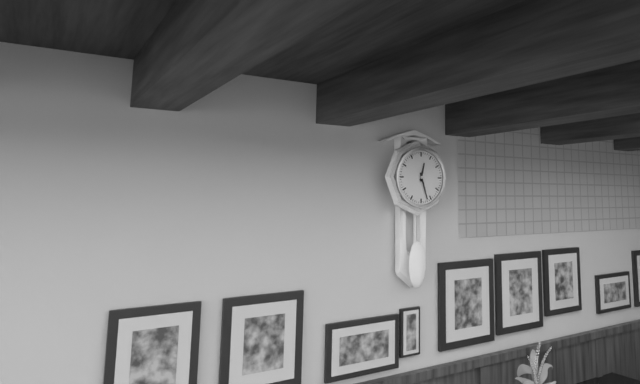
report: 12h27
